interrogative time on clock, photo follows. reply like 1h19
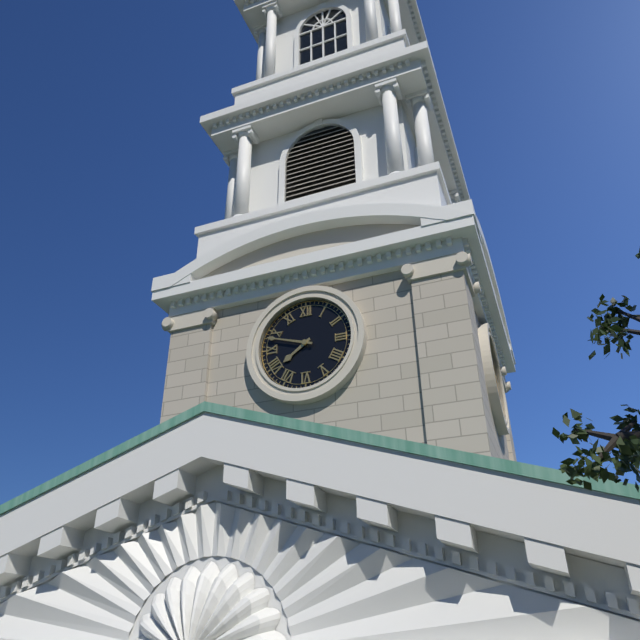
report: 7h48
